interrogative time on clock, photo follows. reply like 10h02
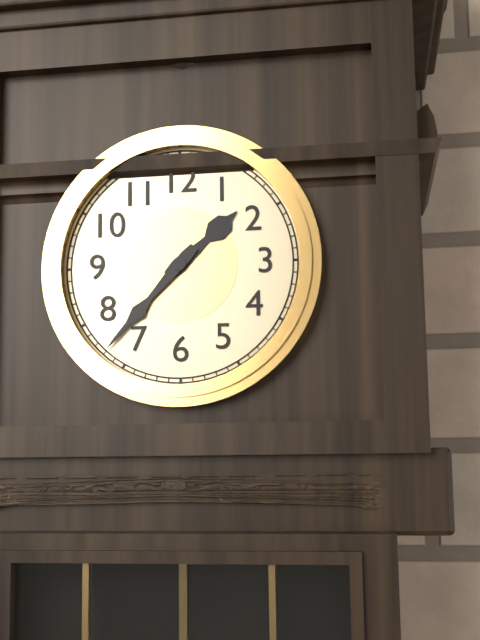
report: 1h37
